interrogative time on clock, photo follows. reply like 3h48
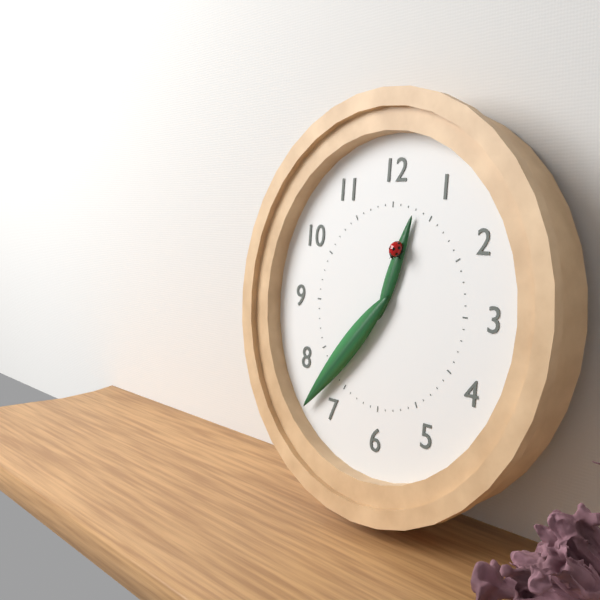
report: 12h37
